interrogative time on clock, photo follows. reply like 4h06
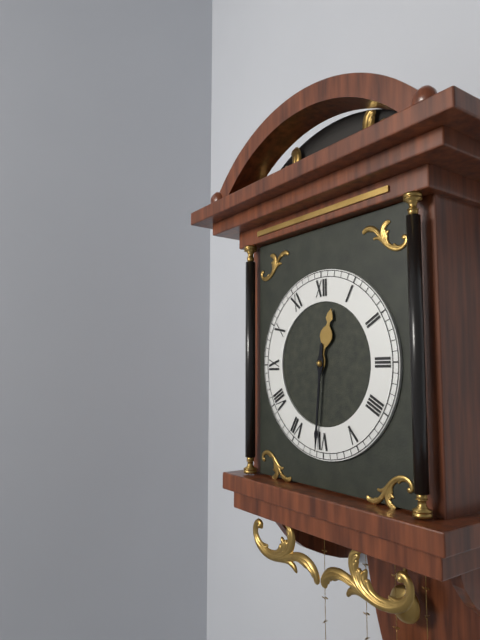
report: 12h31
